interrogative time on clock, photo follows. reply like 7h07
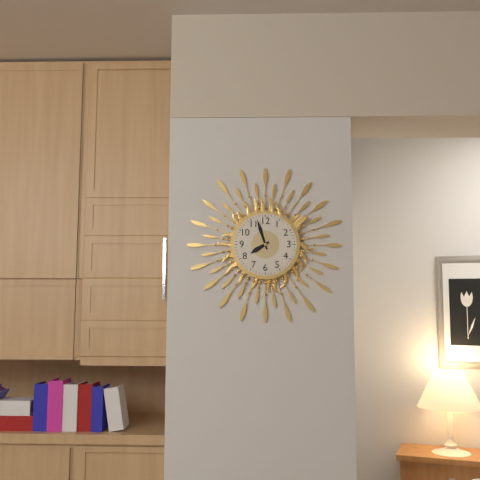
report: 7h57
